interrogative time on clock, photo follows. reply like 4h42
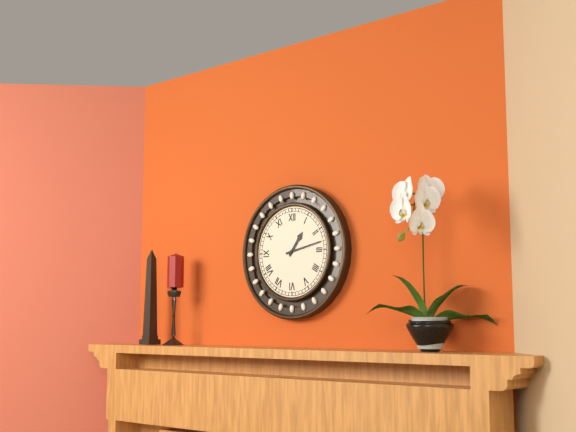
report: 1h13
